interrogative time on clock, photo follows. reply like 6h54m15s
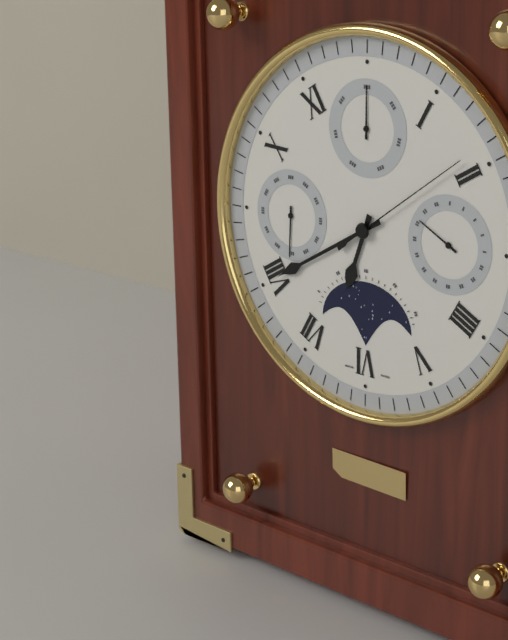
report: 6h40m09s
